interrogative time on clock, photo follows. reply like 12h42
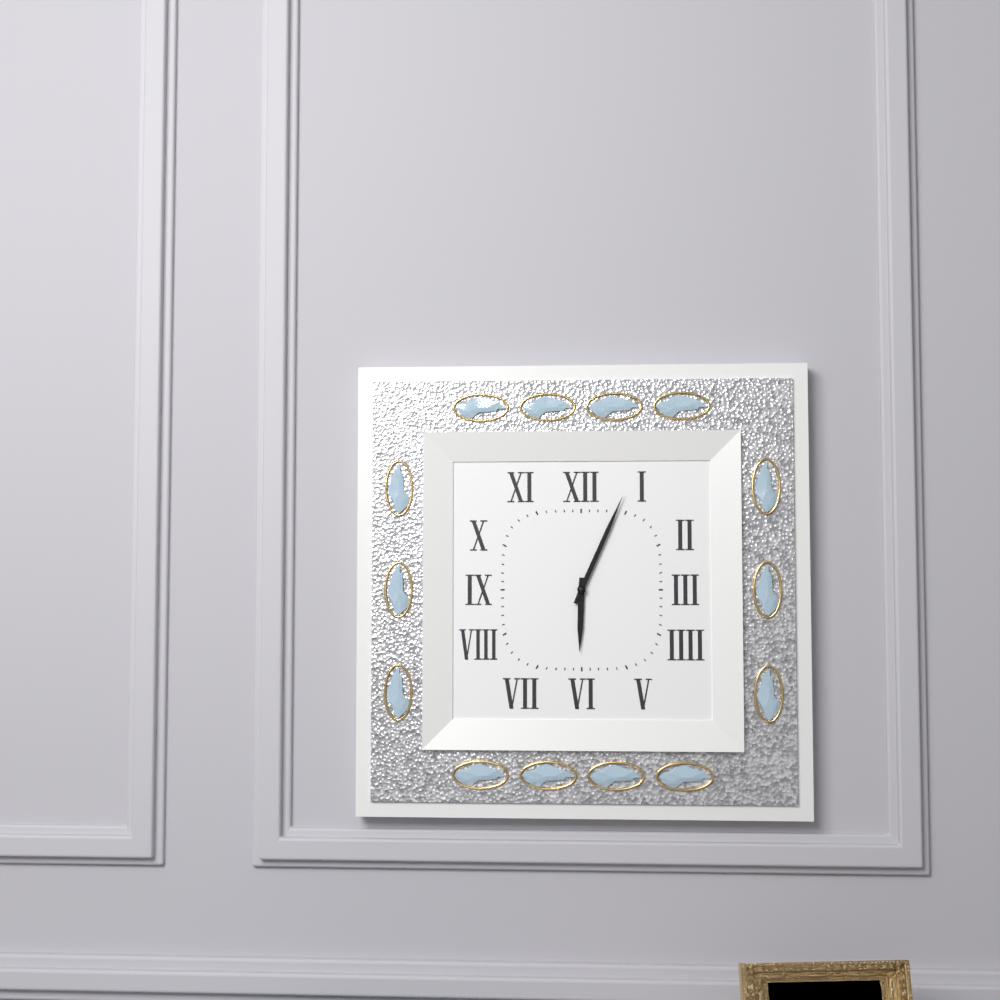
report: 6h04
